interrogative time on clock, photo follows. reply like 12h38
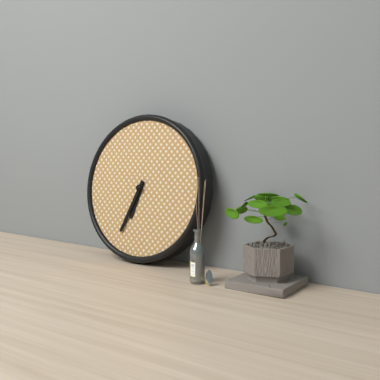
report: 6h34
